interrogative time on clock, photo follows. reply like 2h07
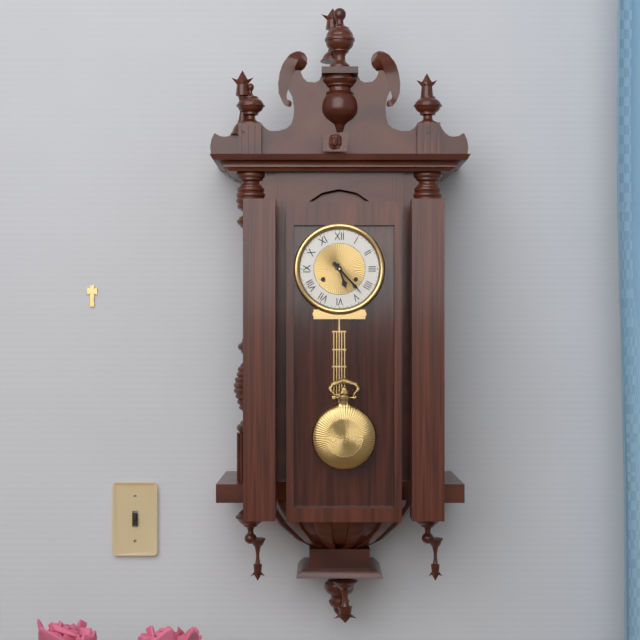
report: 5h23
